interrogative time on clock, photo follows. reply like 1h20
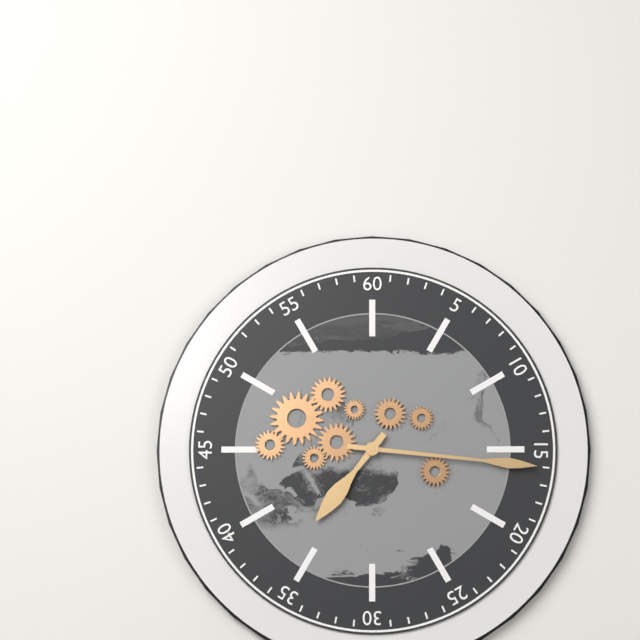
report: 7h16
